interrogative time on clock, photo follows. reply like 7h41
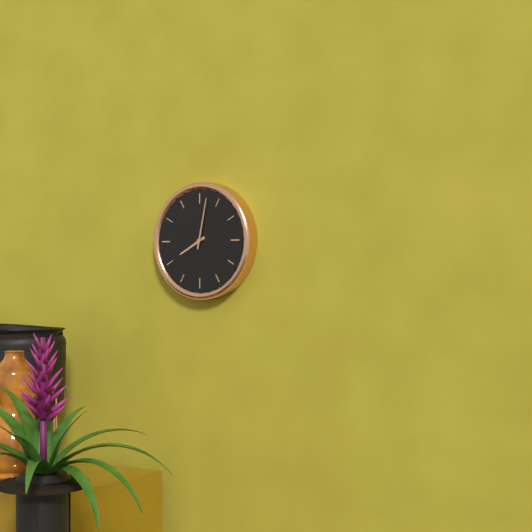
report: 8h02
